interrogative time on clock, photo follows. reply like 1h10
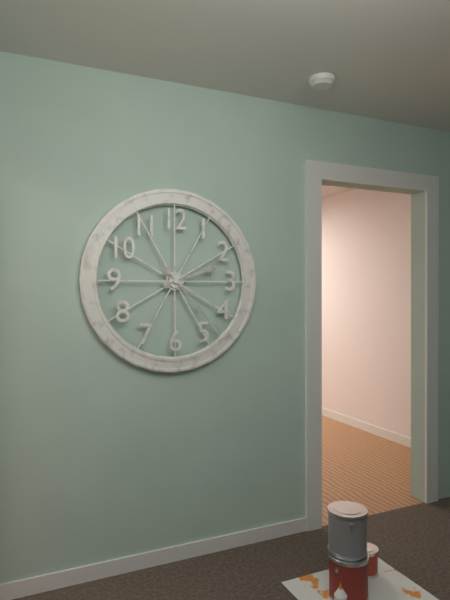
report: 2h23
